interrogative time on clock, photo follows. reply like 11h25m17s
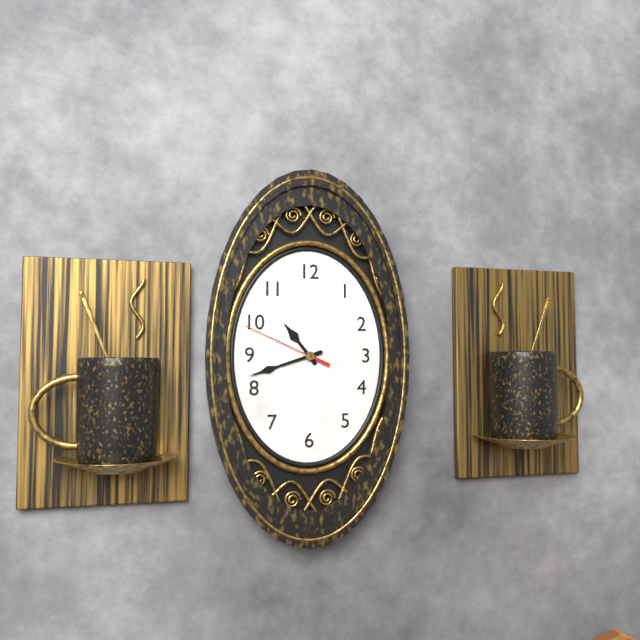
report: 10h42m49s
